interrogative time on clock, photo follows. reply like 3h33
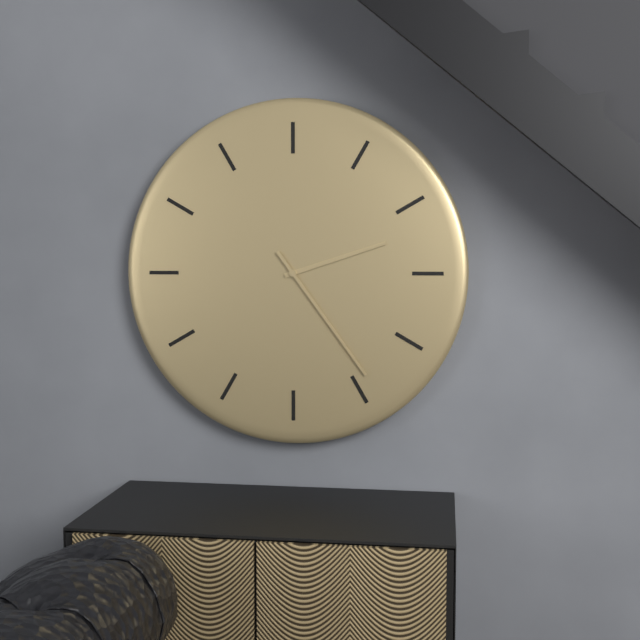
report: 2h24
